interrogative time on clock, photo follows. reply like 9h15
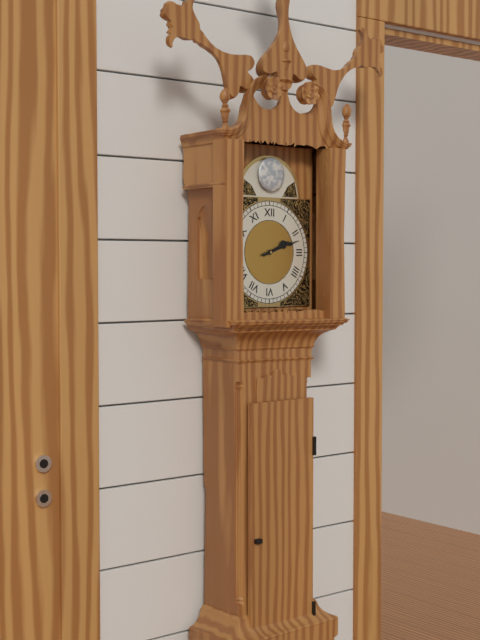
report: 2h12
